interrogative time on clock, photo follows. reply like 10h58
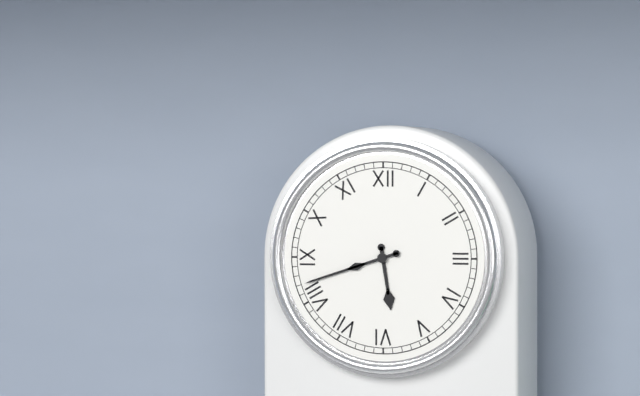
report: 5h42
